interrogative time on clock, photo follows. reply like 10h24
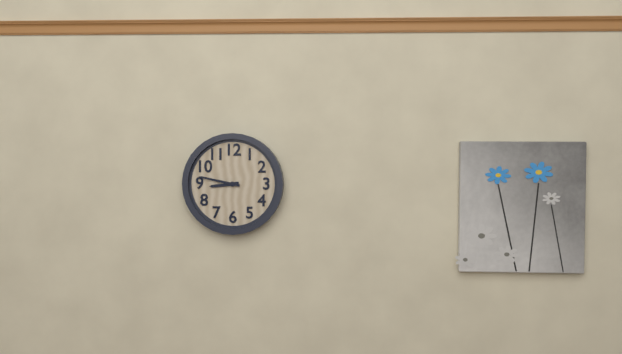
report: 8h47
